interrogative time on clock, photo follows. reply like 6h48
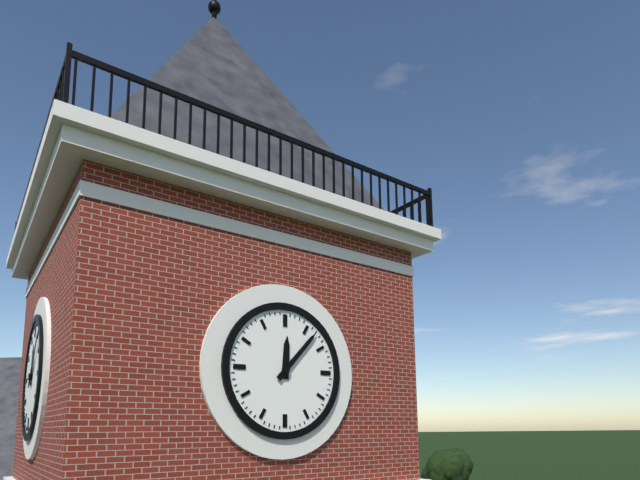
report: 12h07
